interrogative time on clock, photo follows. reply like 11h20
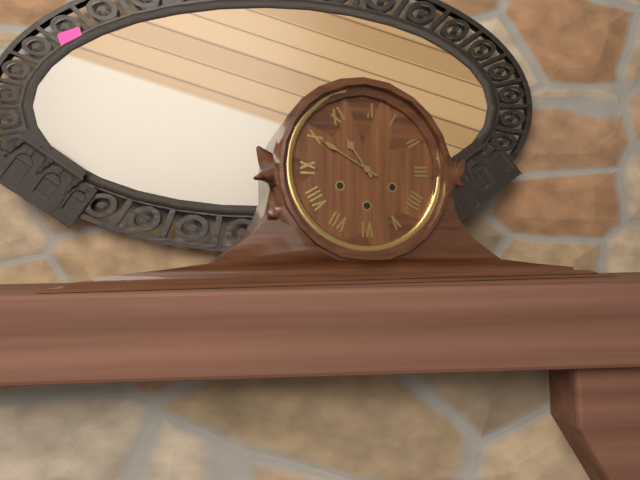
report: 10h50
